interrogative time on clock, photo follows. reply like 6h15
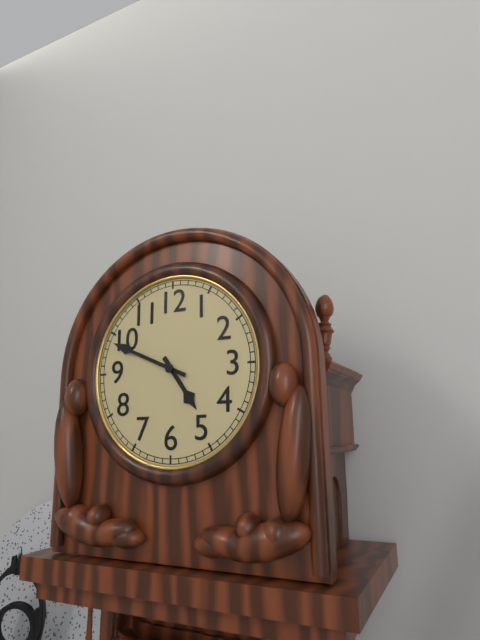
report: 4h49
